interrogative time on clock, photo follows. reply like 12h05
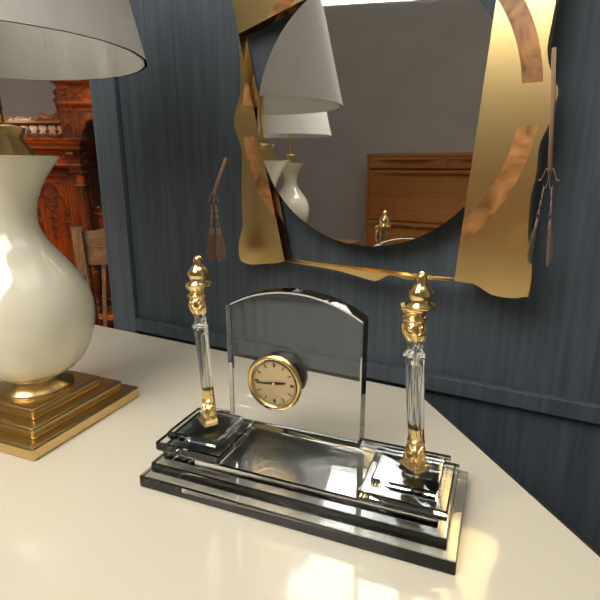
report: 2h44
